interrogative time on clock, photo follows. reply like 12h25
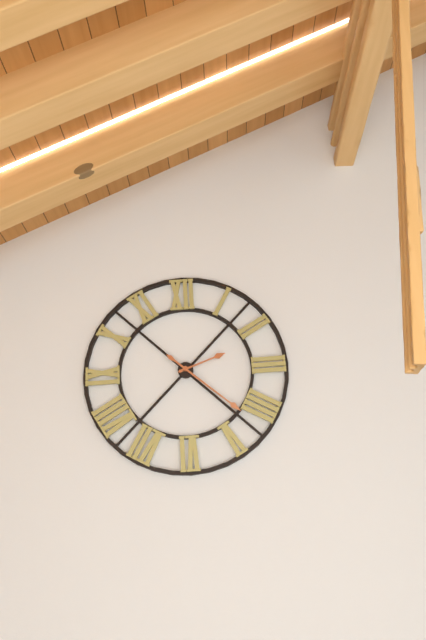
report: 2h22
